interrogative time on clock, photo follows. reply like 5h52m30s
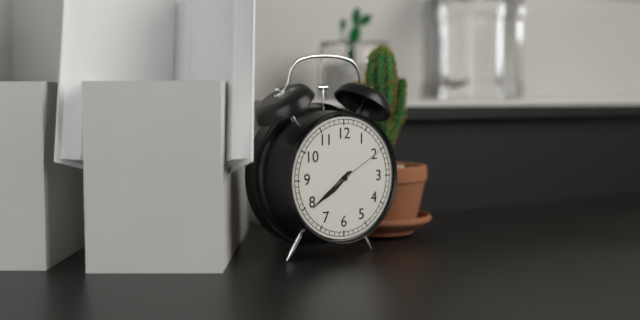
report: 7h39m10s
